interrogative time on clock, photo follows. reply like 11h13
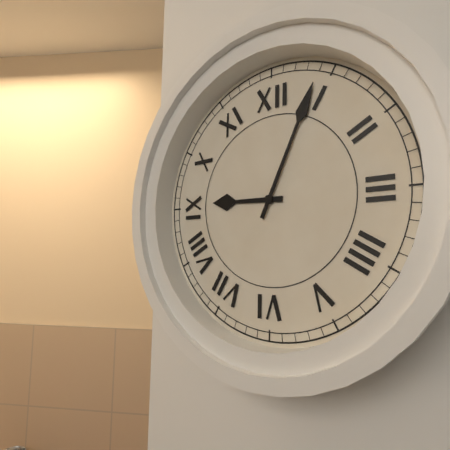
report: 9h04
